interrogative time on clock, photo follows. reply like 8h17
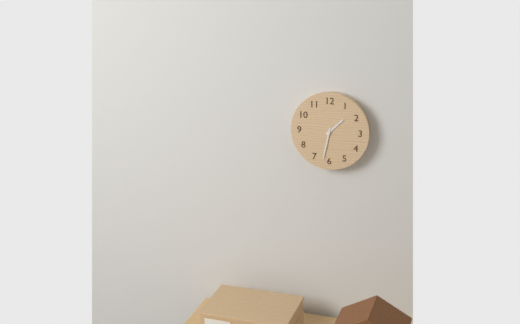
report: 1h32
